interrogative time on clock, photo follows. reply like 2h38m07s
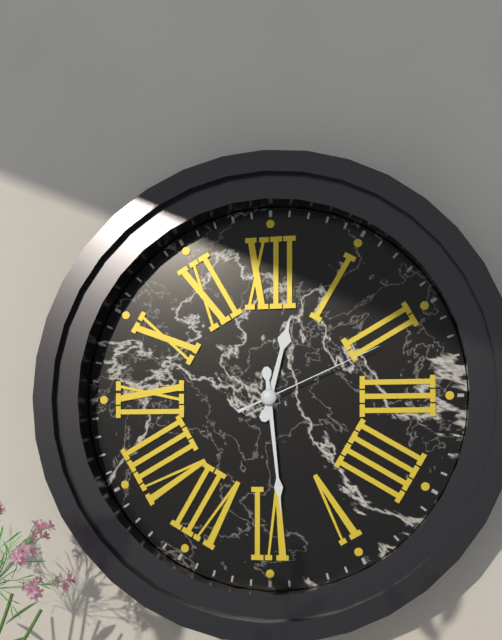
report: 12h29m11s
